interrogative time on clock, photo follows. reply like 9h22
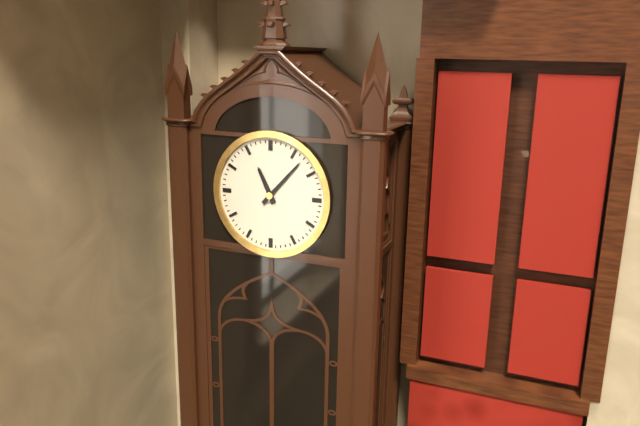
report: 11h07
